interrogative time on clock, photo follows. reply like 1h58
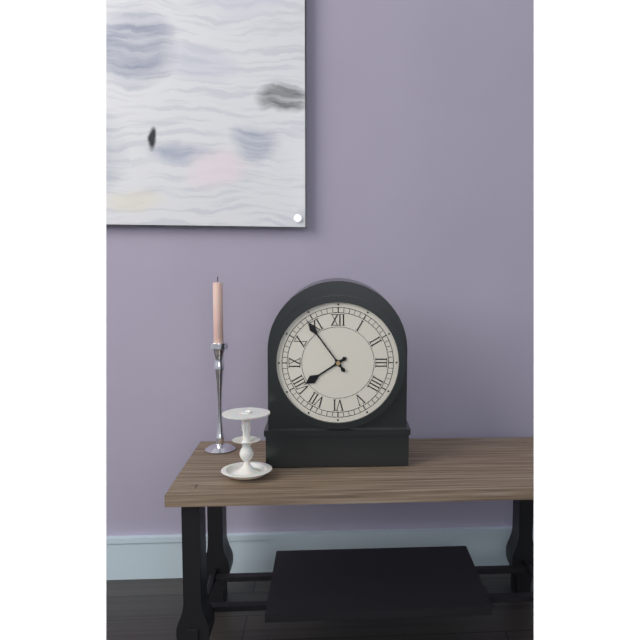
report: 7h54
